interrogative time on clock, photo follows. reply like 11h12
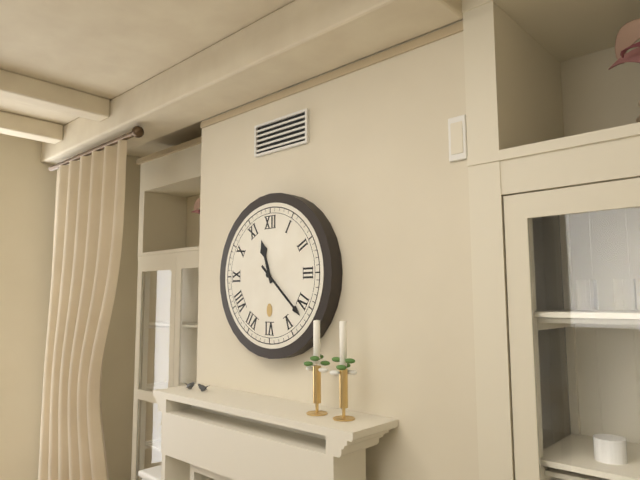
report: 11h22
